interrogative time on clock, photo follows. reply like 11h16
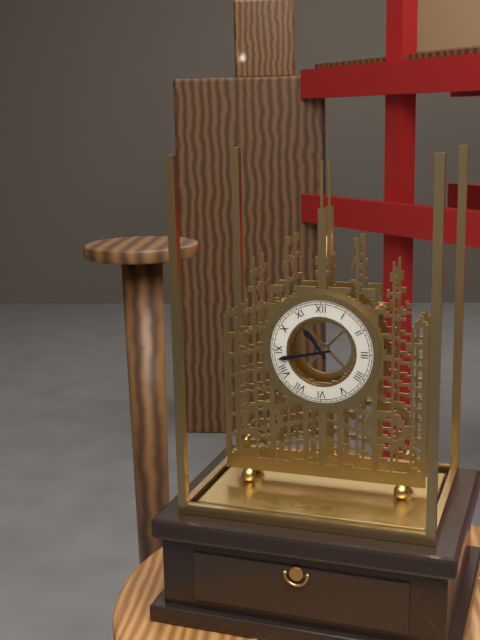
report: 10h43
